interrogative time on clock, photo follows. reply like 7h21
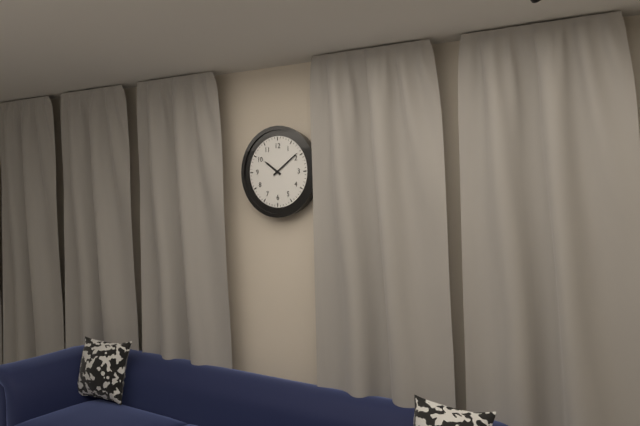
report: 10h09
